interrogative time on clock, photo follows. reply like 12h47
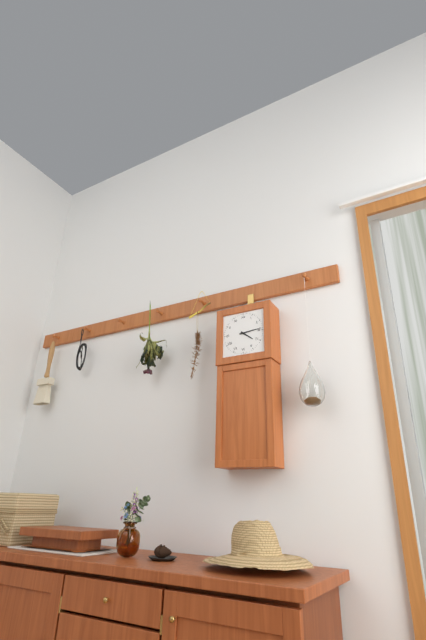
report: 4h14
